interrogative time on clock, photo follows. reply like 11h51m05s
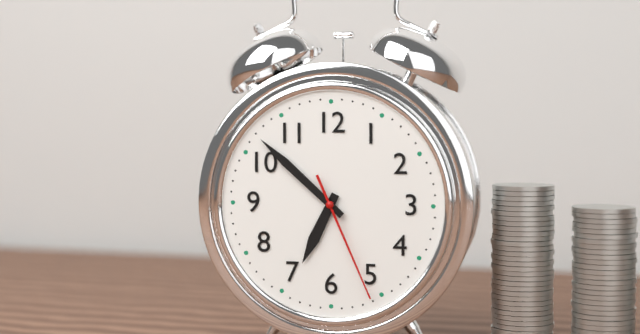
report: 6h52m26s
